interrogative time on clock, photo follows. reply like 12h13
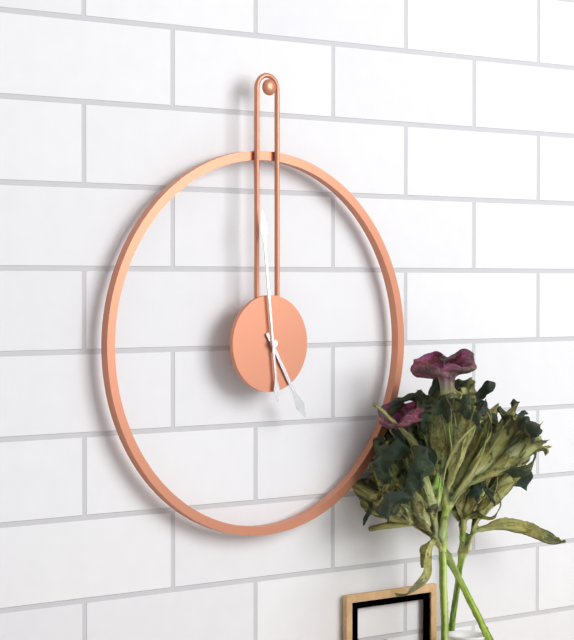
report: 4h59
